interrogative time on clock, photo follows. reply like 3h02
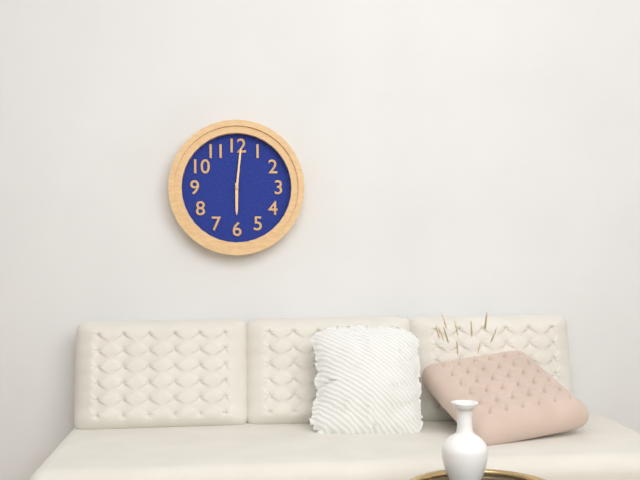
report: 6h01
